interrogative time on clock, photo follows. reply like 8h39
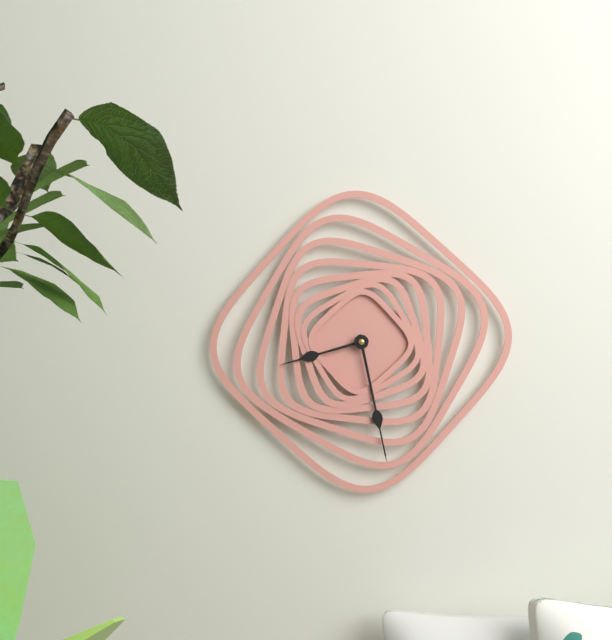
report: 8h28
